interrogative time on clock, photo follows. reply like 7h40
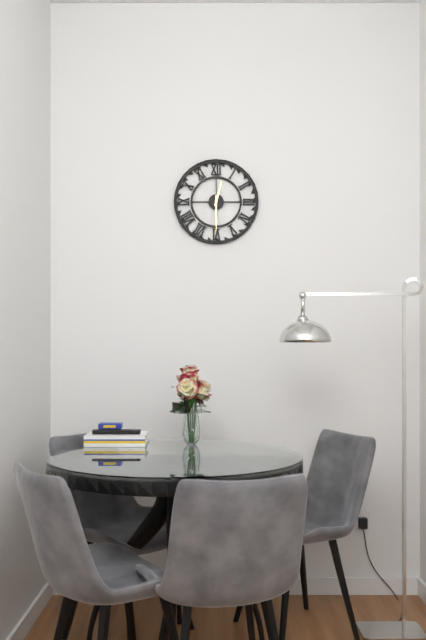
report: 12h30
